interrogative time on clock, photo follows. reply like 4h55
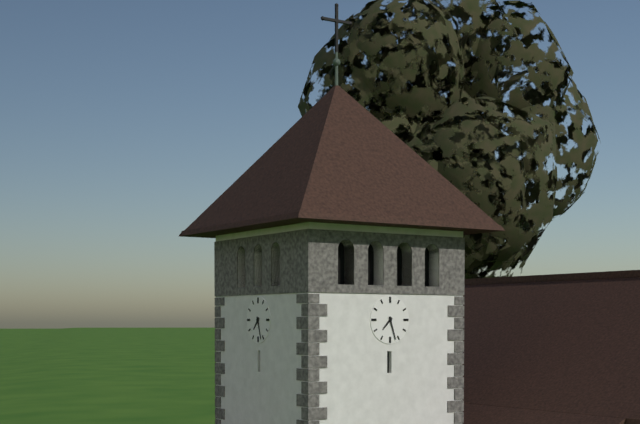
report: 7h27
